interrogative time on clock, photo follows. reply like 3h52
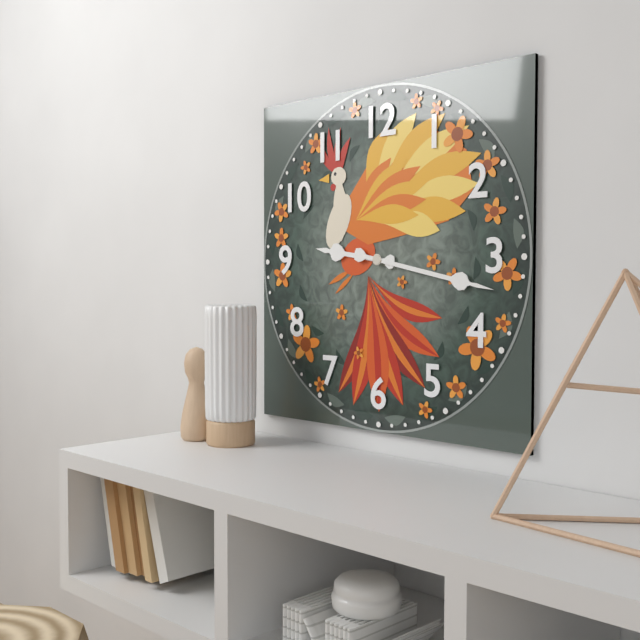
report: 9h17
